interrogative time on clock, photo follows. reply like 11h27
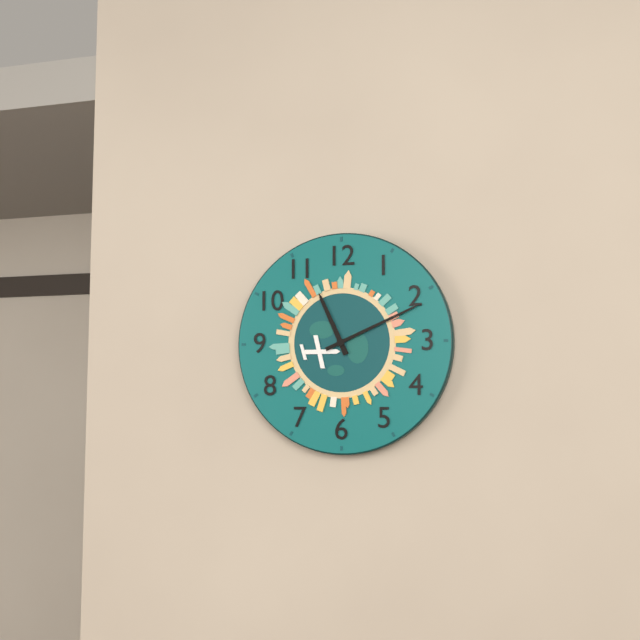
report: 11h11
